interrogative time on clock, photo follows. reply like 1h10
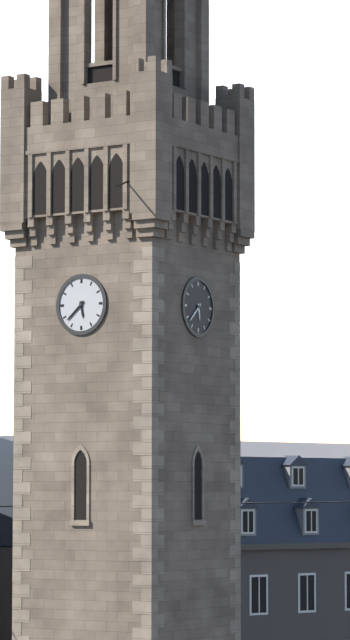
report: 5h38
